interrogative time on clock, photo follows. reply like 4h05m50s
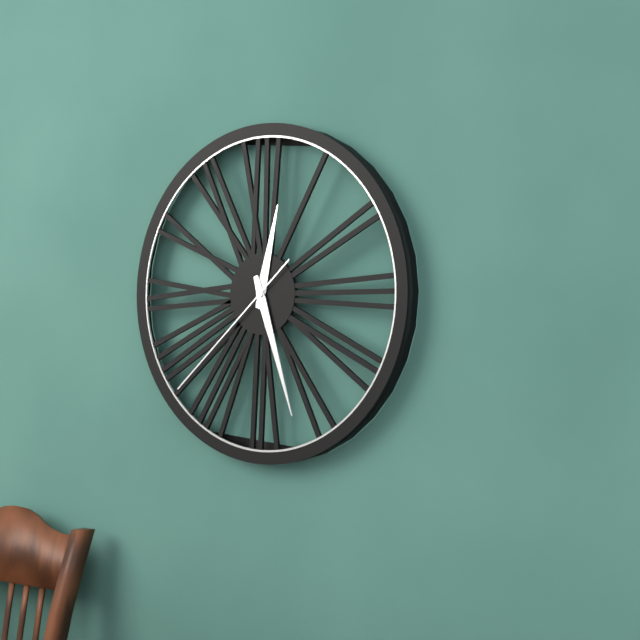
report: 12h27m38s
